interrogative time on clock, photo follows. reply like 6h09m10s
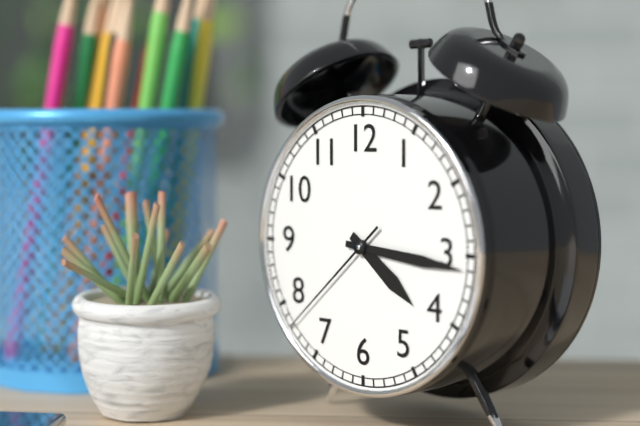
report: 4h16m38s
